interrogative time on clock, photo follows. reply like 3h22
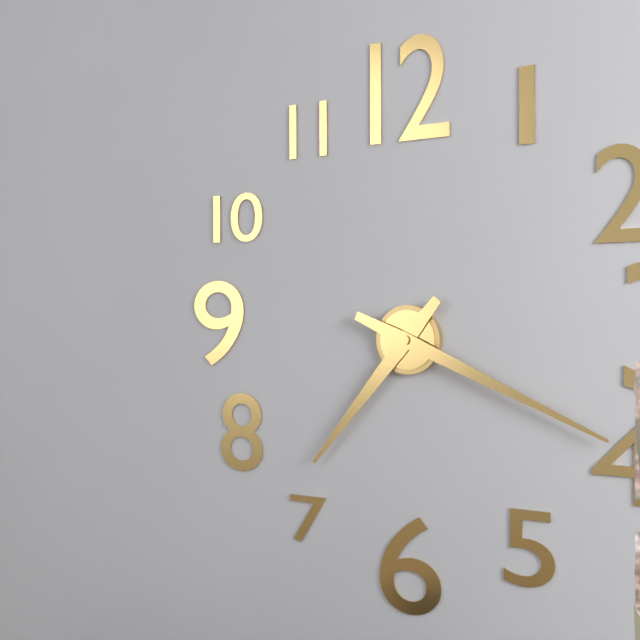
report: 7h19
